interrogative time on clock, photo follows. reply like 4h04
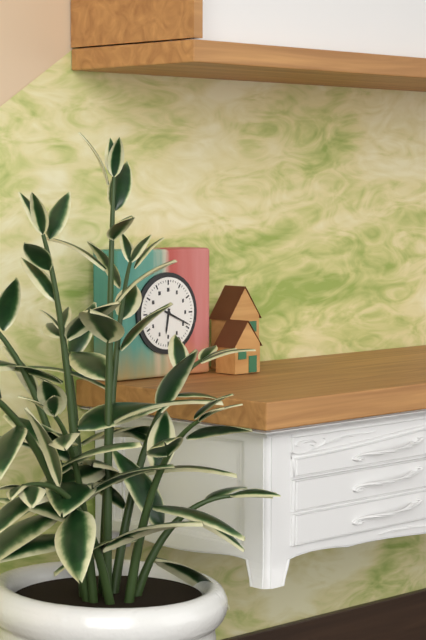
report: 6h19
